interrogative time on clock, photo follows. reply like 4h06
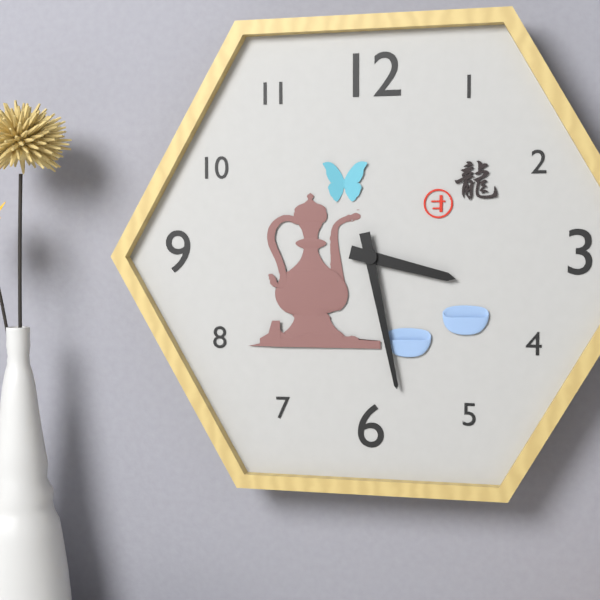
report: 3h28
